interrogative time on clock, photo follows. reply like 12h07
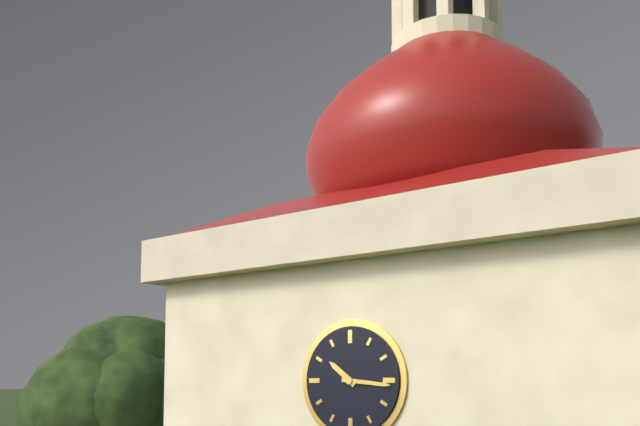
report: 10h16
